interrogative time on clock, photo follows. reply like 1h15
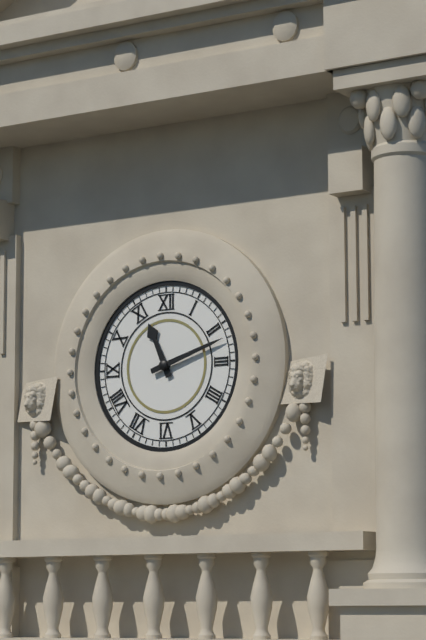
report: 11h12
